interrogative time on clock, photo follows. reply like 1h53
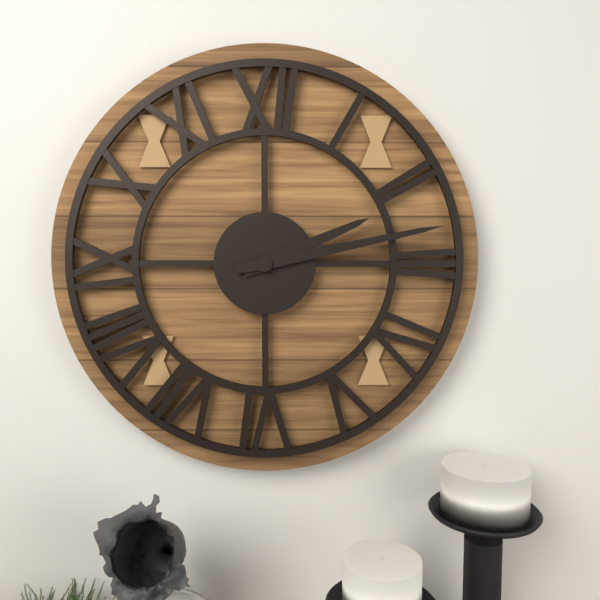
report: 2h13
